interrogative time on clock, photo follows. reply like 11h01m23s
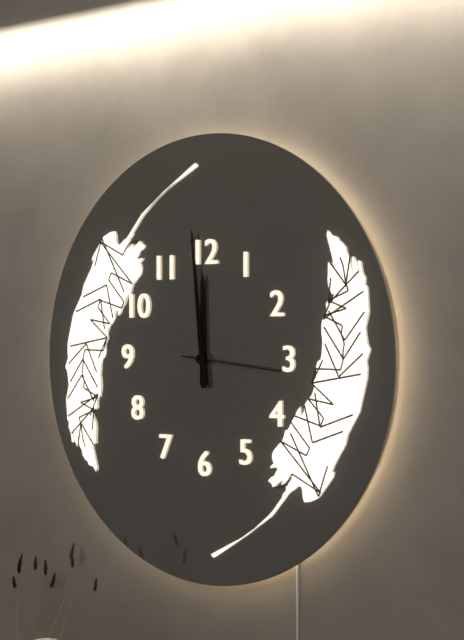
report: 11h59m16s
